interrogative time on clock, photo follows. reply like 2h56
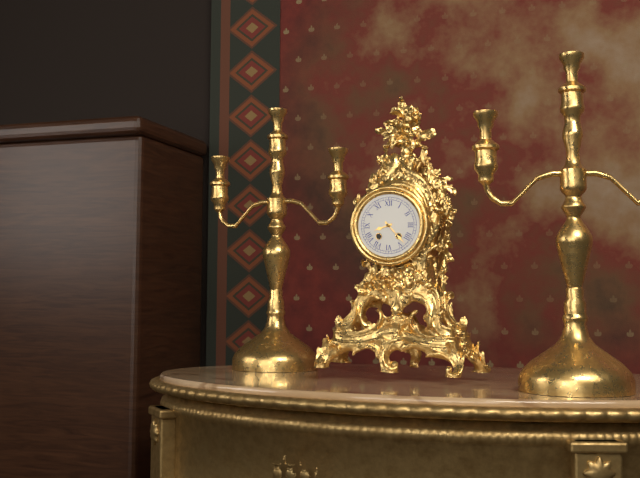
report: 8h23
